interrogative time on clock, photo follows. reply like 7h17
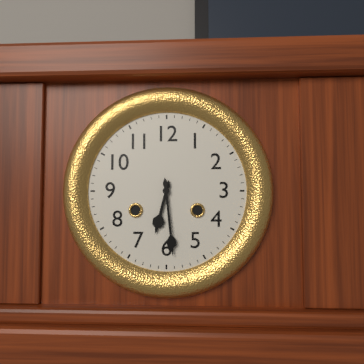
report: 6h29
